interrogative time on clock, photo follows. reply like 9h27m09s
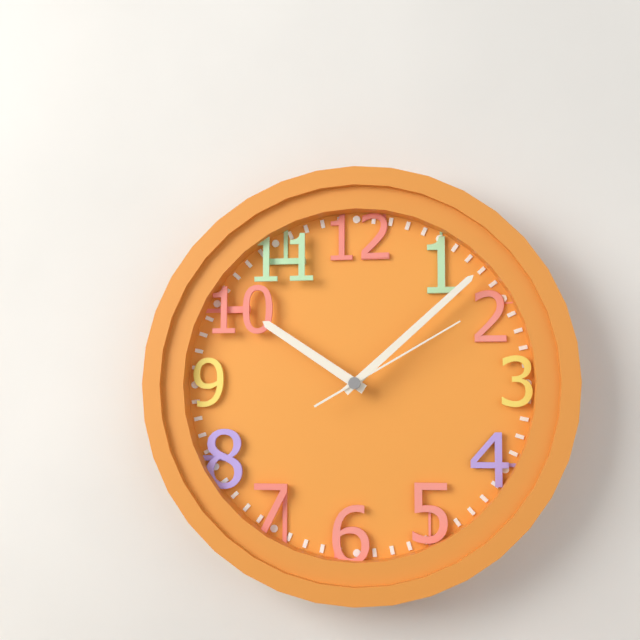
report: 10h08m10s
